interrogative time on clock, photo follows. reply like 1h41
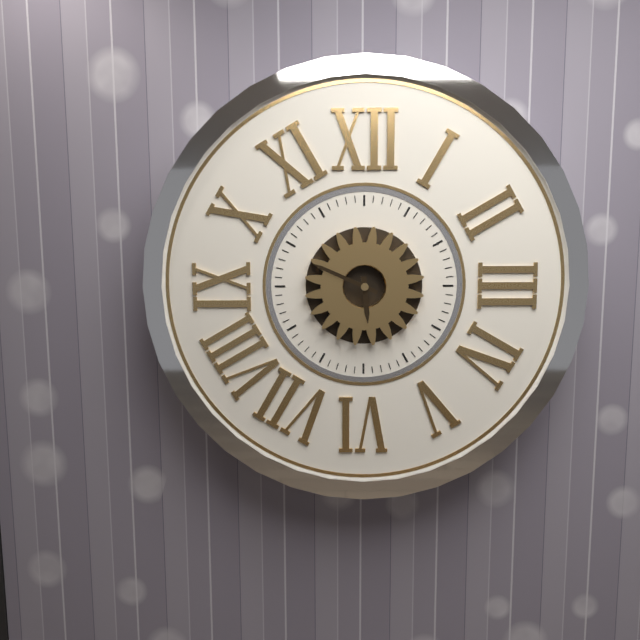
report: 5h49
